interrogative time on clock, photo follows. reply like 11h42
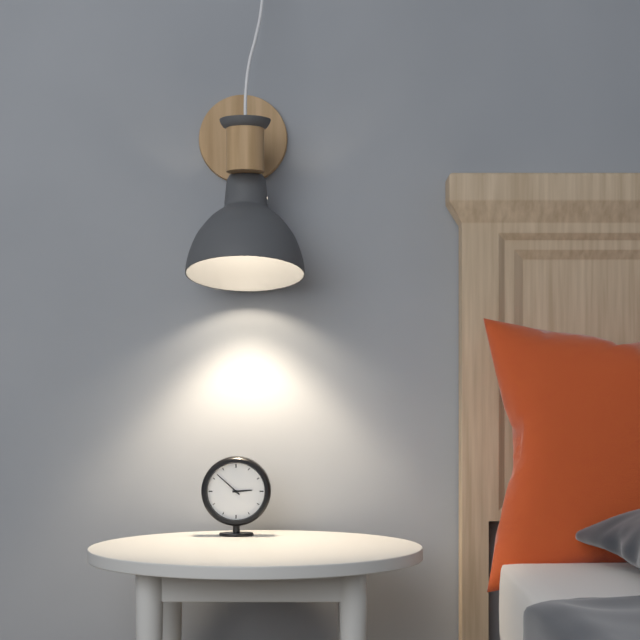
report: 2h52
